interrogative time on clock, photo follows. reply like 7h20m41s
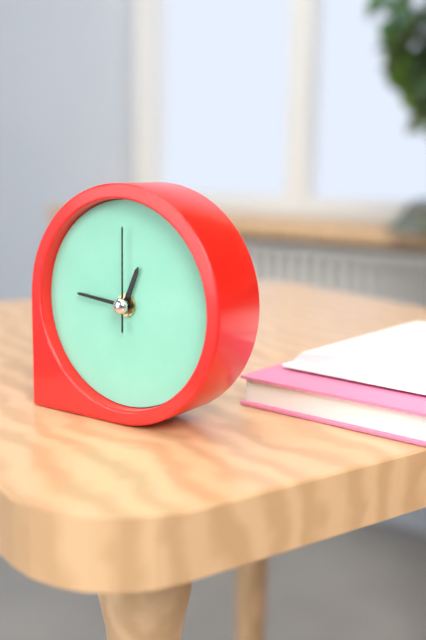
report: 12h46m00s
